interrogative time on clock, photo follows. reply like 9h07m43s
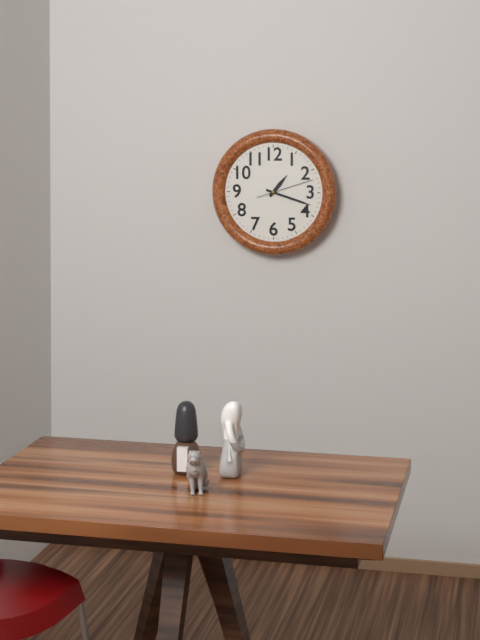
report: 1h18m12s
